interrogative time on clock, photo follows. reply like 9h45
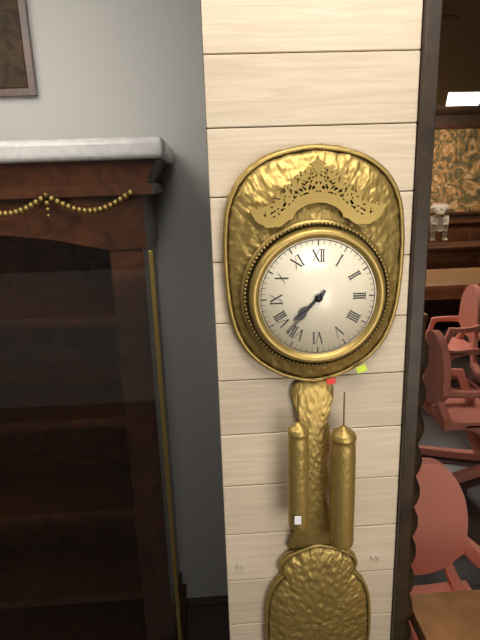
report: 7h37
